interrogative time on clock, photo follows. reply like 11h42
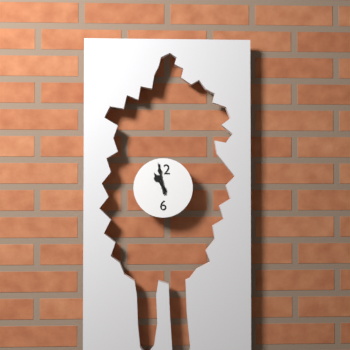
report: 10h58
